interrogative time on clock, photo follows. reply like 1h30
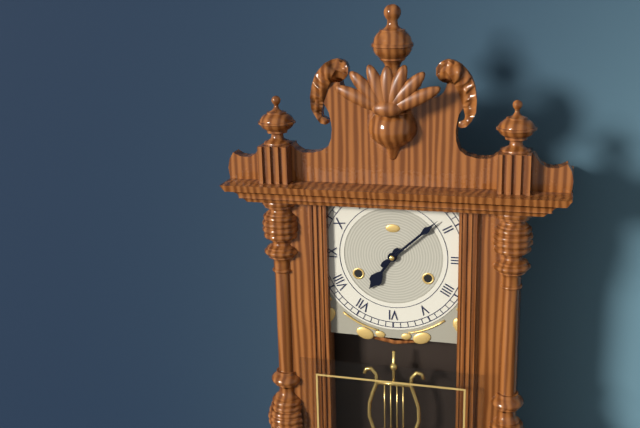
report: 7h08
